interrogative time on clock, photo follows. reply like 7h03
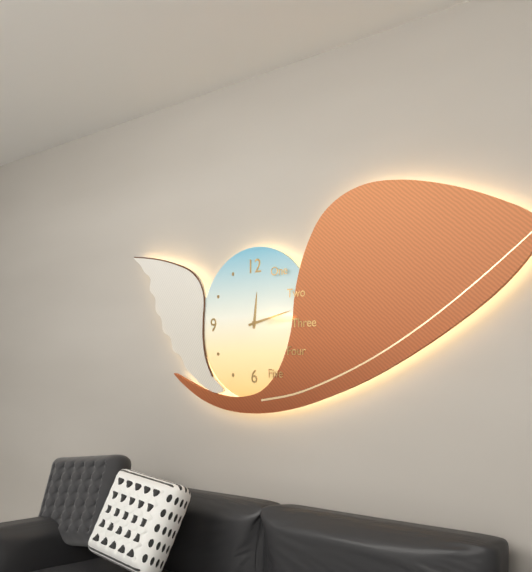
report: 12h13
